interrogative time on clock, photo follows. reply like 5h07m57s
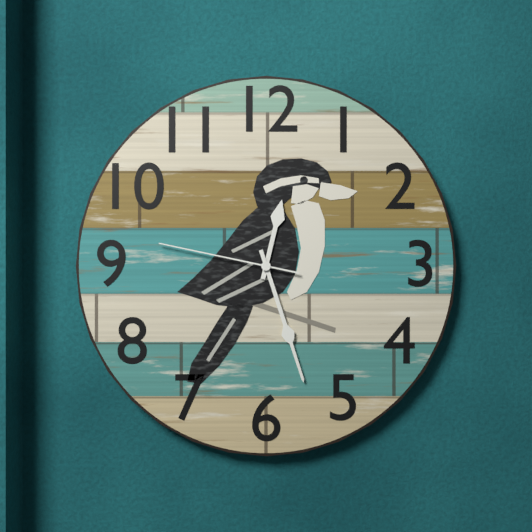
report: 12h27m47s
